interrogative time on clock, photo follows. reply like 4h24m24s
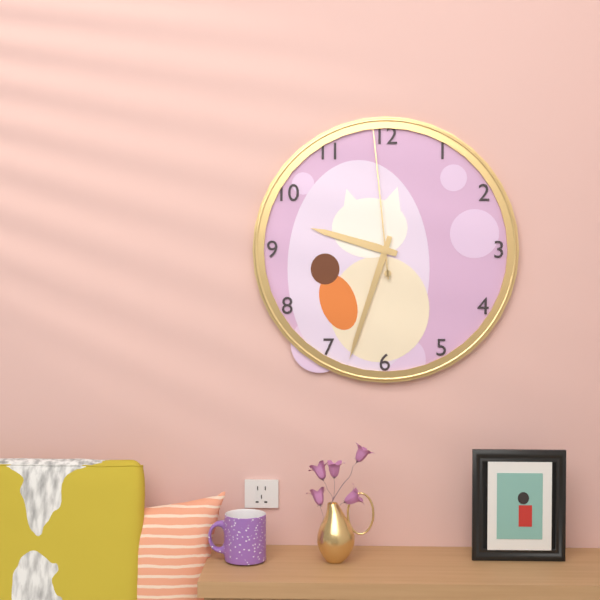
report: 9h33m59s
